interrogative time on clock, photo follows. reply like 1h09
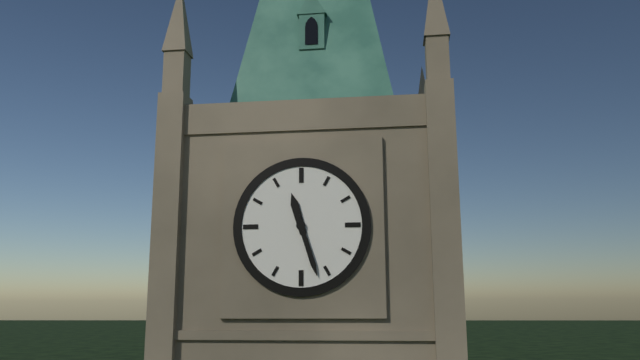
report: 11h27
